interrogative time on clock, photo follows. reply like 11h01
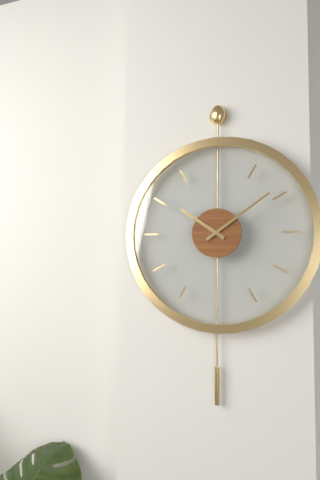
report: 10h09
